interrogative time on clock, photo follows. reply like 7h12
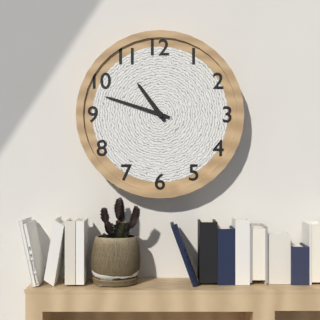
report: 10h48
